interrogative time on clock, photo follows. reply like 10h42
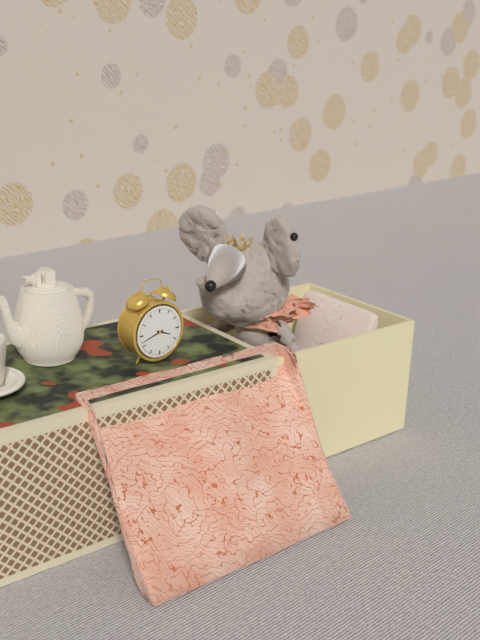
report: 3h42
